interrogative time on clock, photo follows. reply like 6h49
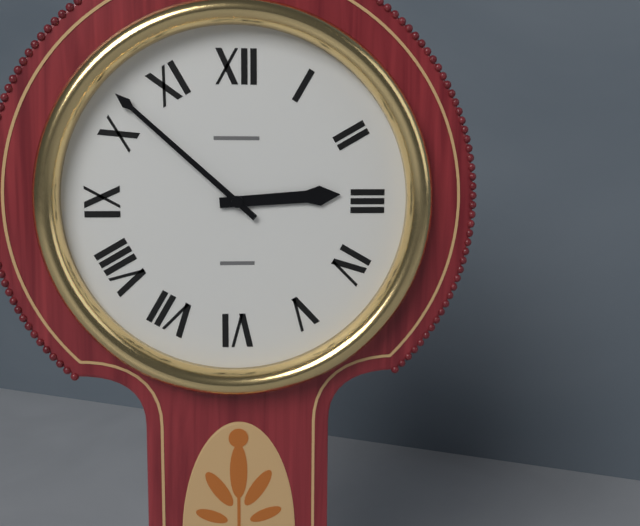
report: 2h52
